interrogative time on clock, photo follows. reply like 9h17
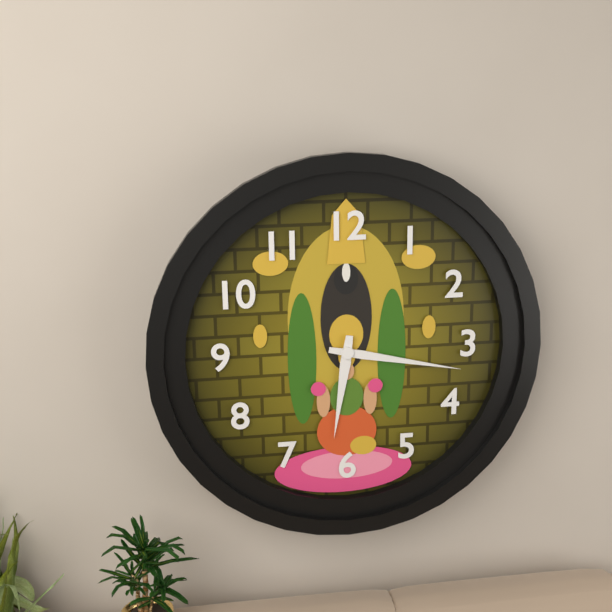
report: 6h17
